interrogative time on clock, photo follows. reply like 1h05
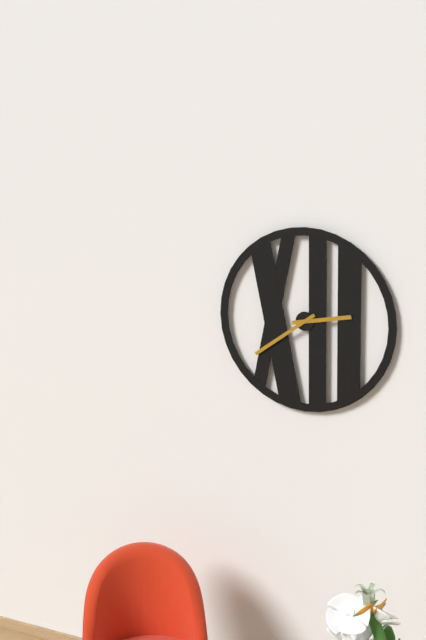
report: 2h39
